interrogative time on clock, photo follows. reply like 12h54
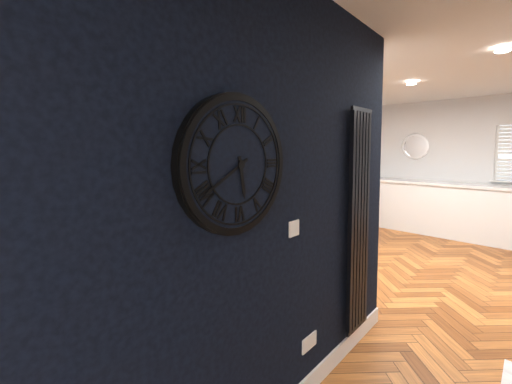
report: 5h40
